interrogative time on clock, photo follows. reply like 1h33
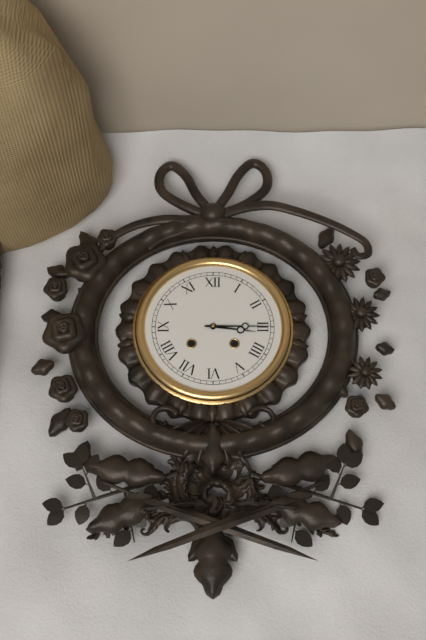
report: 3h15
